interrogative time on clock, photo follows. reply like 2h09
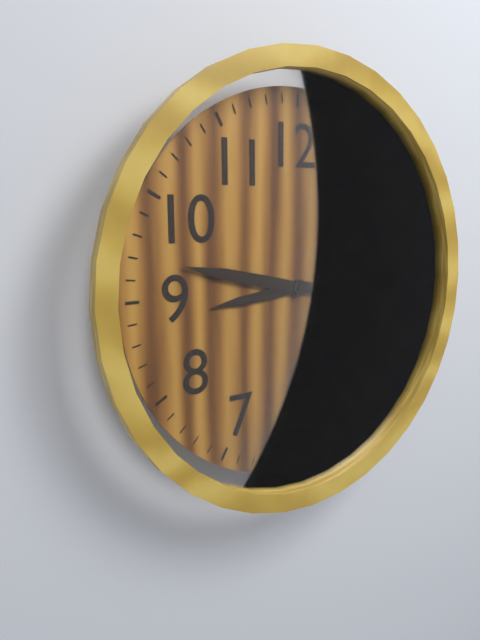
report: 8h47
